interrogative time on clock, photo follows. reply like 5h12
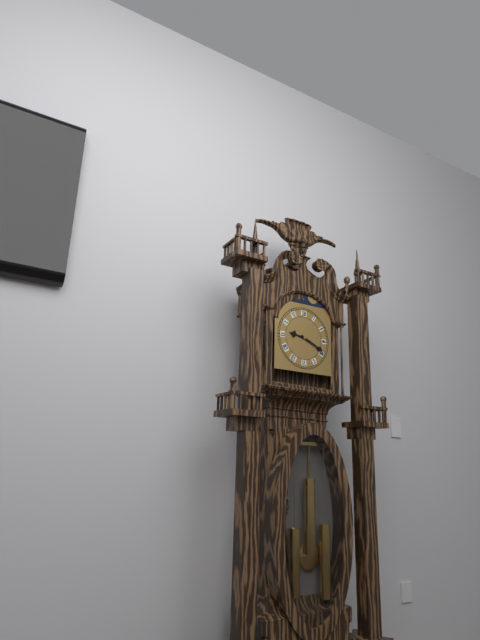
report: 9h19
